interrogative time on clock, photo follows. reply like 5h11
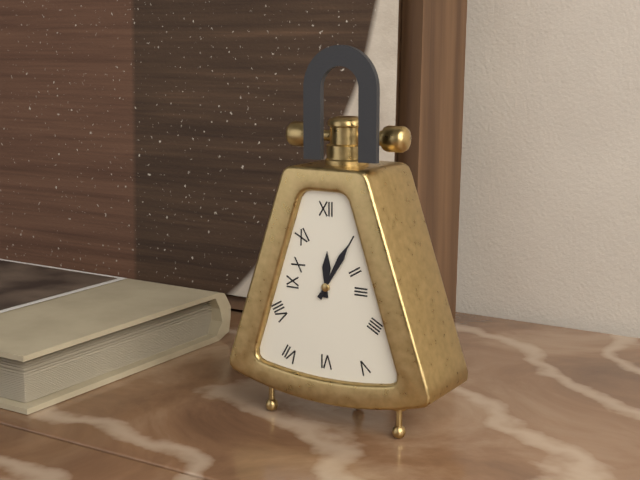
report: 12h05
